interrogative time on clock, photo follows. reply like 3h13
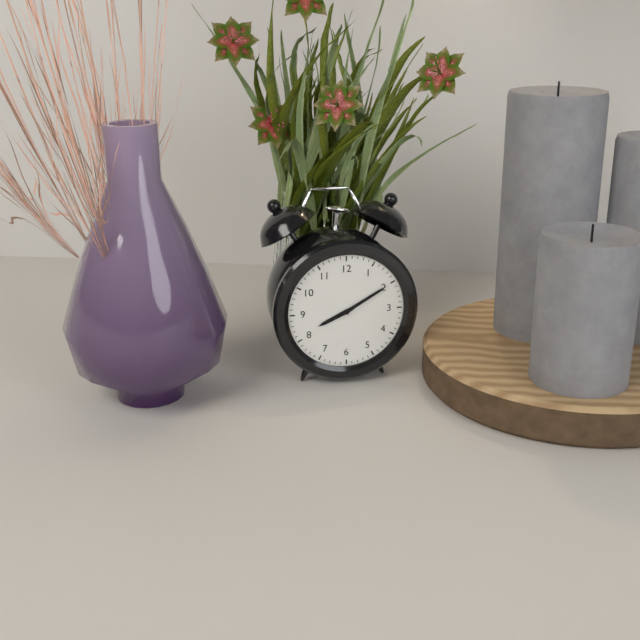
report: 8h10
